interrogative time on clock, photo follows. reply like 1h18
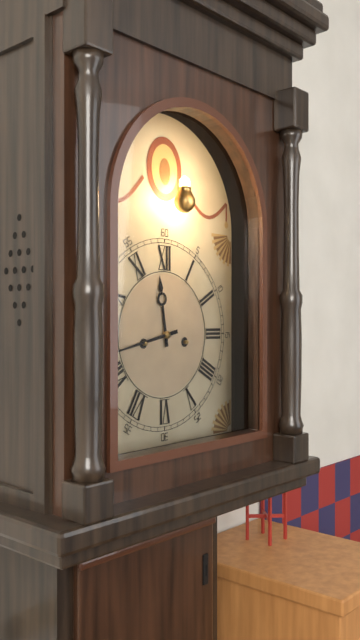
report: 11h43
